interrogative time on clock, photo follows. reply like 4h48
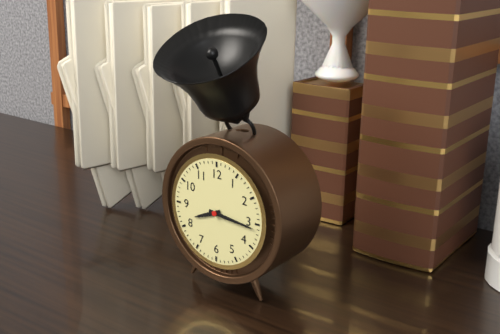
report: 8h16
